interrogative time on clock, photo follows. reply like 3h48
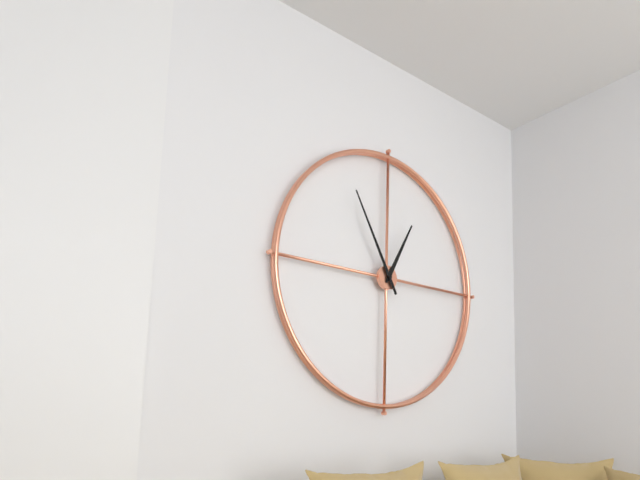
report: 12h55
